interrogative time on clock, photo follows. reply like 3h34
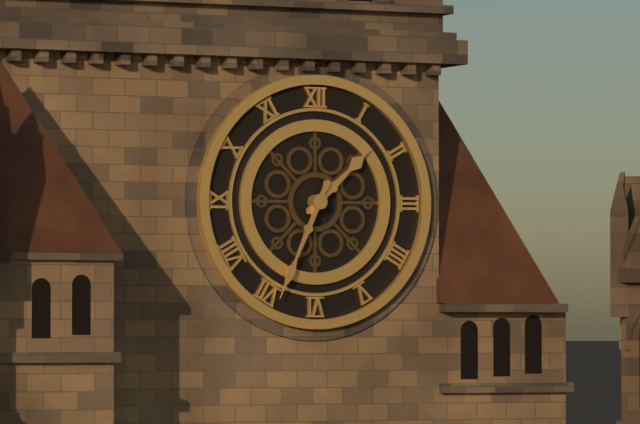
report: 1h34
